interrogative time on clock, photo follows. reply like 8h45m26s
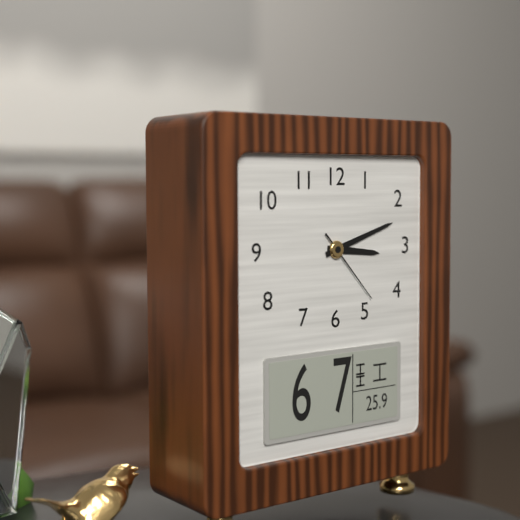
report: 3h12m23s
